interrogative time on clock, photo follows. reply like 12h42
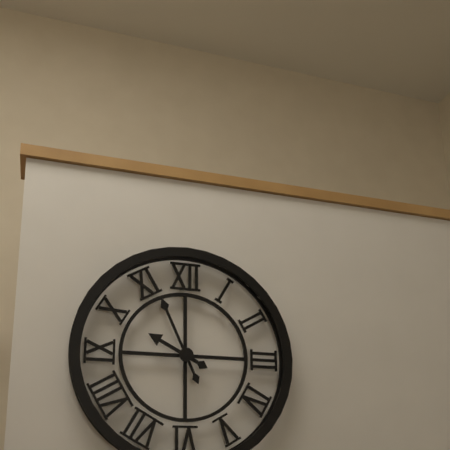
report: 9h56
